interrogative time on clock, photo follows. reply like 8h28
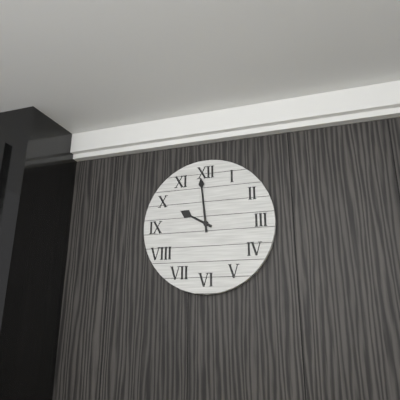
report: 9h59
